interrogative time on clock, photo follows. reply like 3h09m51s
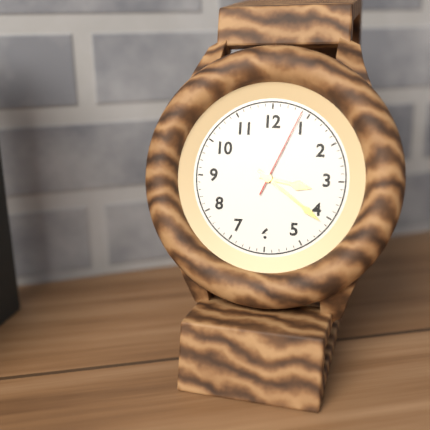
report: 3h21m04s
